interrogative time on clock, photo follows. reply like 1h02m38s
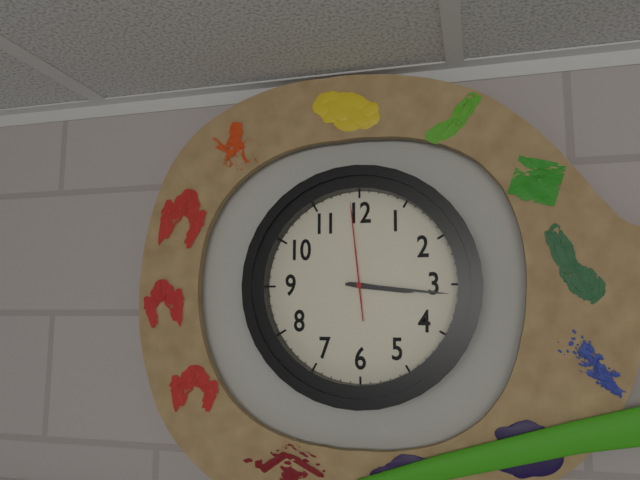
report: 3h16m59s
